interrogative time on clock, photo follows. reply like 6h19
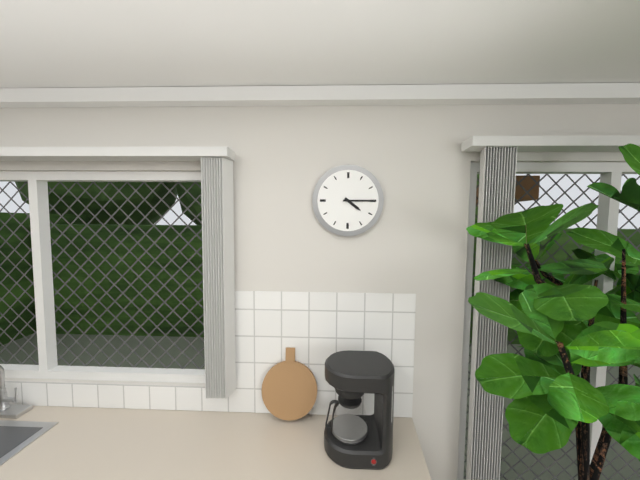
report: 4h15
